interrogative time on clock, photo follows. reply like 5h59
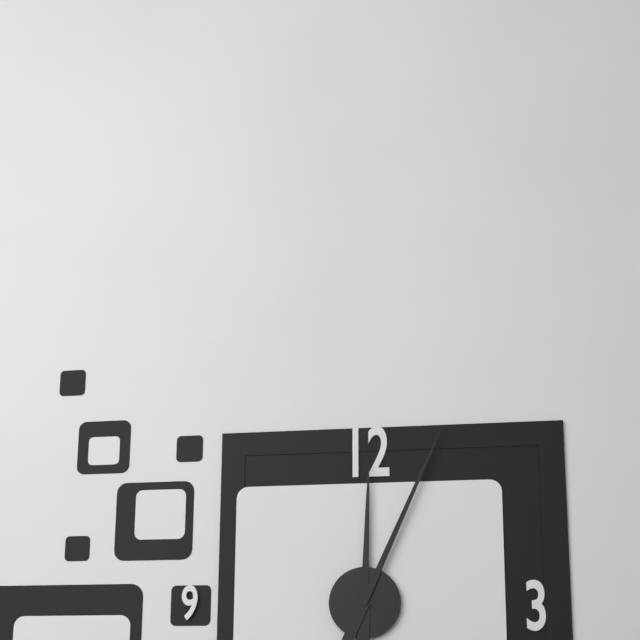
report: 12h04
